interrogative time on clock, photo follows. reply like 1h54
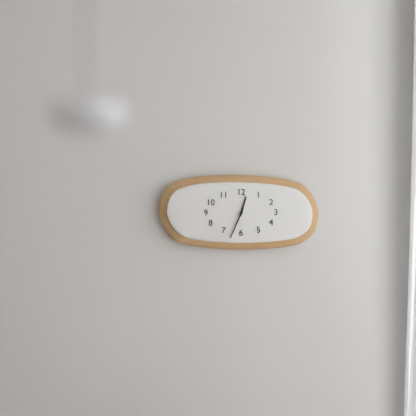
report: 12h34
